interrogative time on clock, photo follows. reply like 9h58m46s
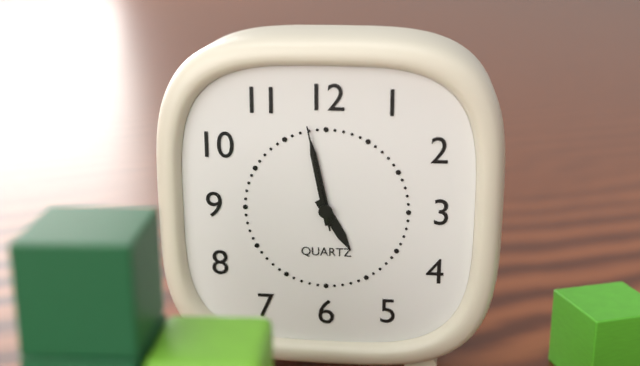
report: 4h58m58s
